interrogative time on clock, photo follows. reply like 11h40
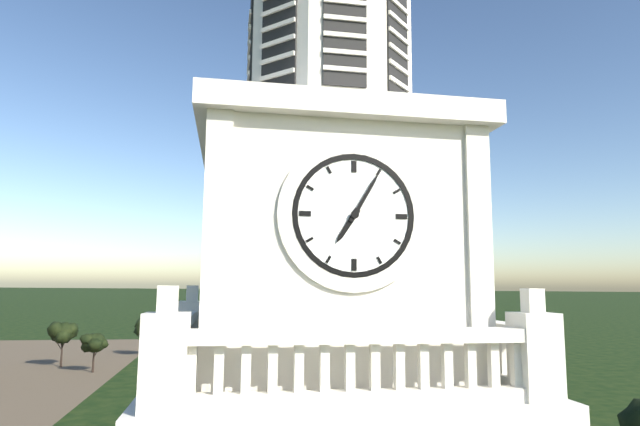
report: 7h05
